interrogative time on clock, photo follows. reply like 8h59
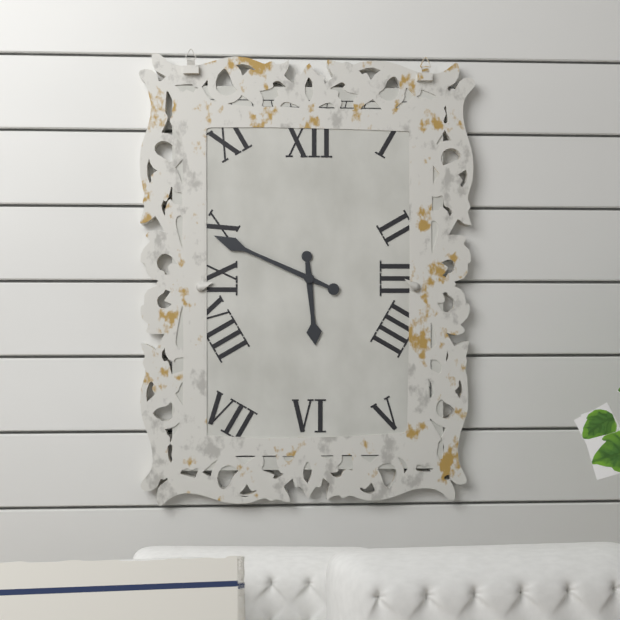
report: 5h49
